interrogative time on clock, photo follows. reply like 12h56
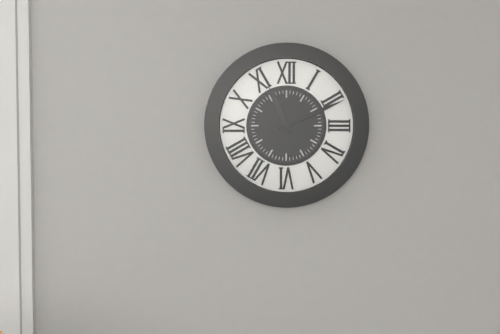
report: 11h11
